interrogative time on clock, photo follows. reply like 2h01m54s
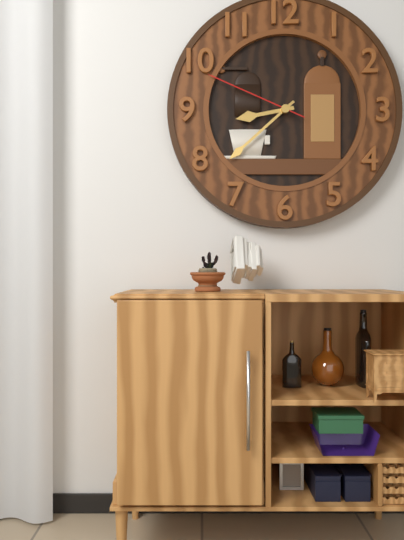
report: 8h38m49s
